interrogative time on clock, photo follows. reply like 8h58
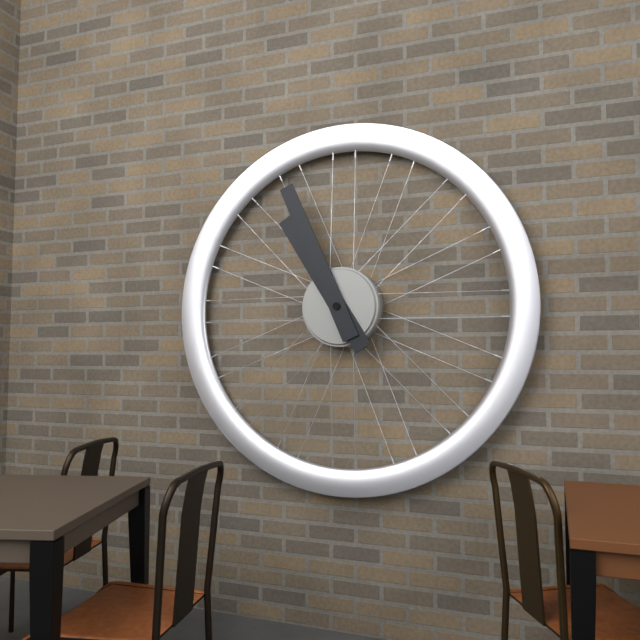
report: 10h56
